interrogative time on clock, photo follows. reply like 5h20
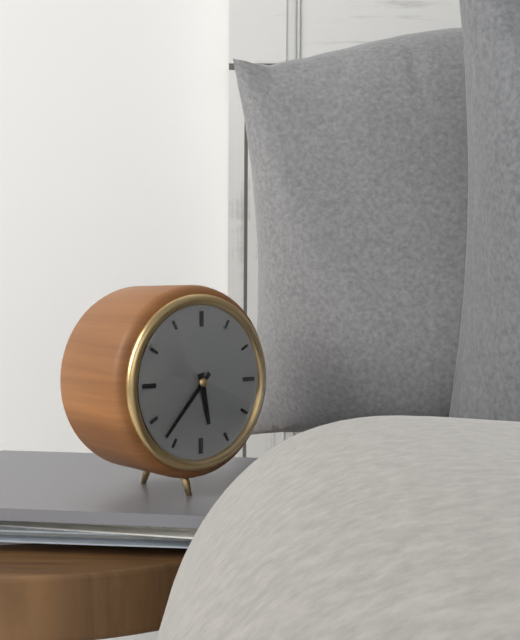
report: 5h37
